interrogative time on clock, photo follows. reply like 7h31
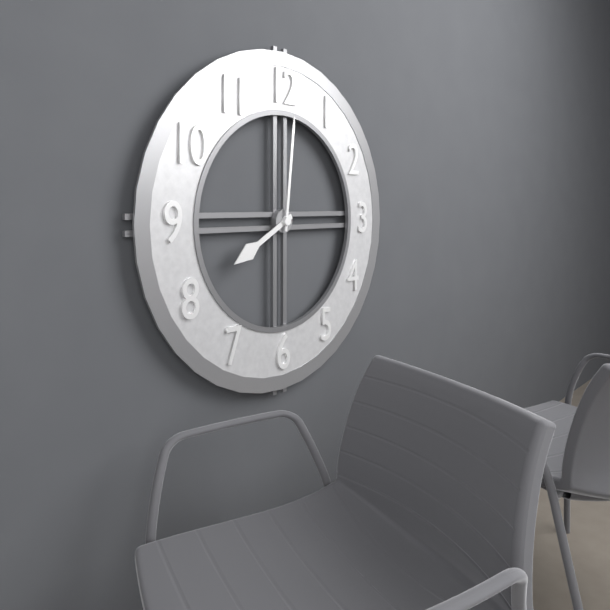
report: 8h01
